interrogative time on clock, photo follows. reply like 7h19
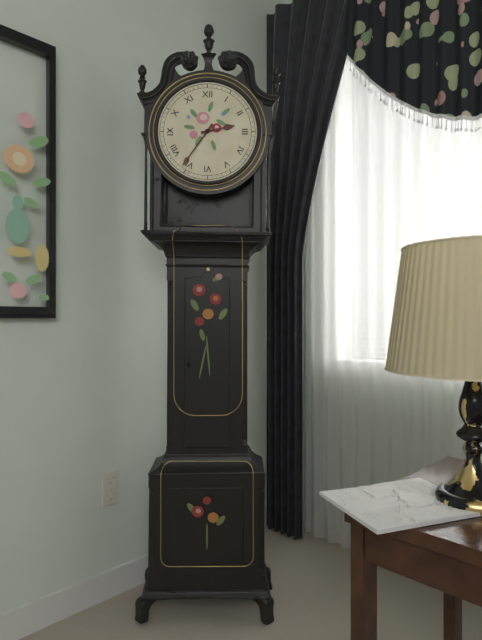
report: 2h36
